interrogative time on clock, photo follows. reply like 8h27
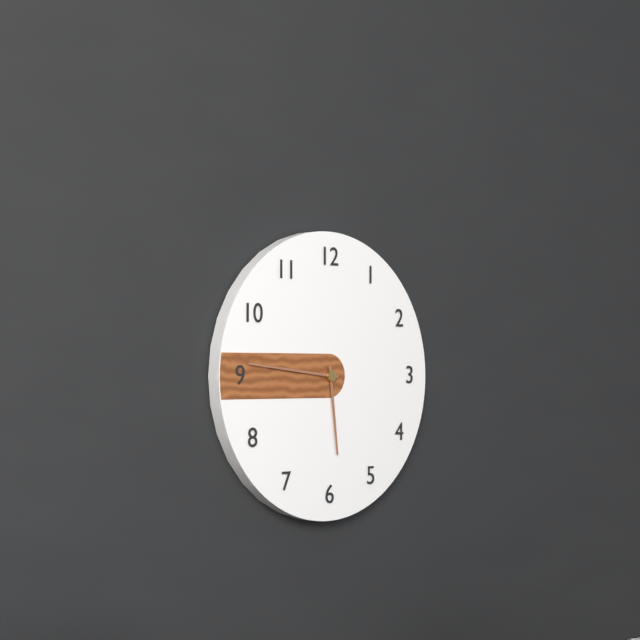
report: 5h46
